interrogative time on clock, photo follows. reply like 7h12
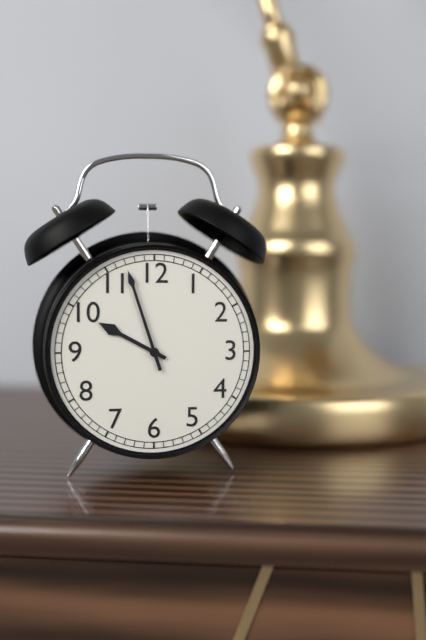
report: 9h57
